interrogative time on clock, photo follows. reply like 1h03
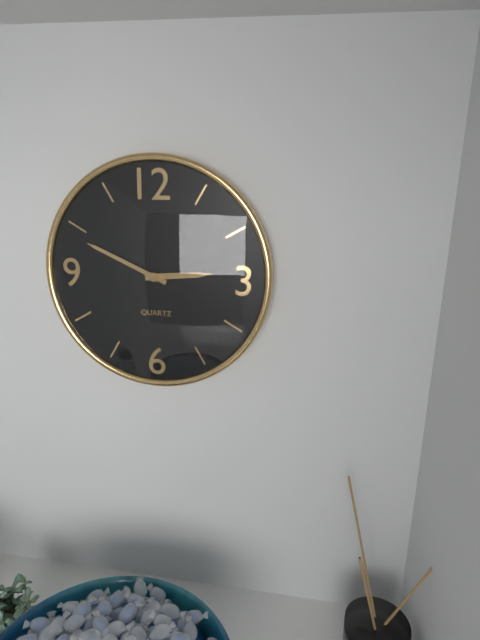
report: 2h49
